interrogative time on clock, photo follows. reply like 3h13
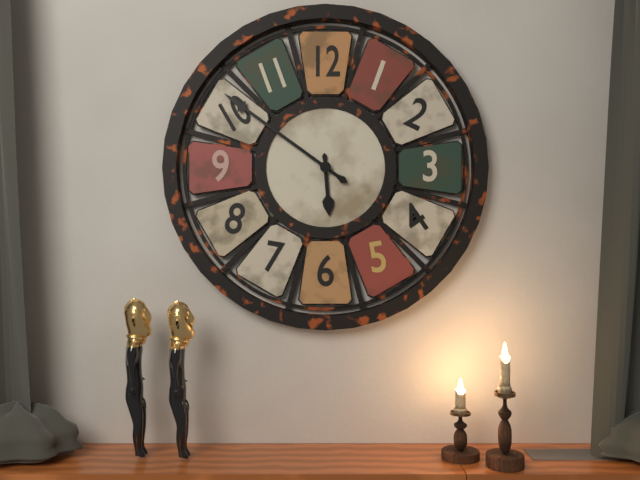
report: 5h51
